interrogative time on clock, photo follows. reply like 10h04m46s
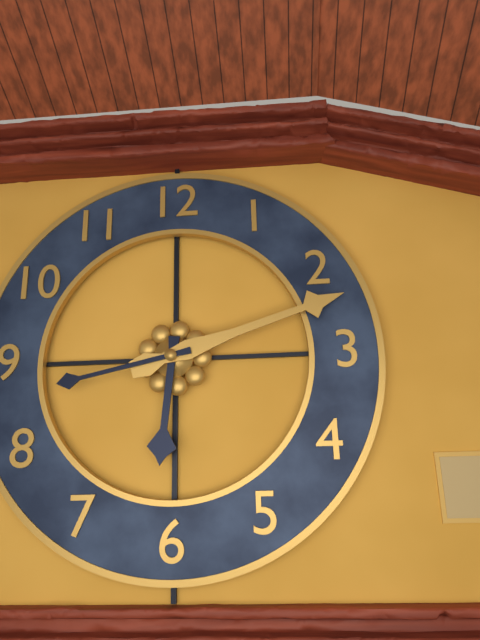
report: 6h12m43s
